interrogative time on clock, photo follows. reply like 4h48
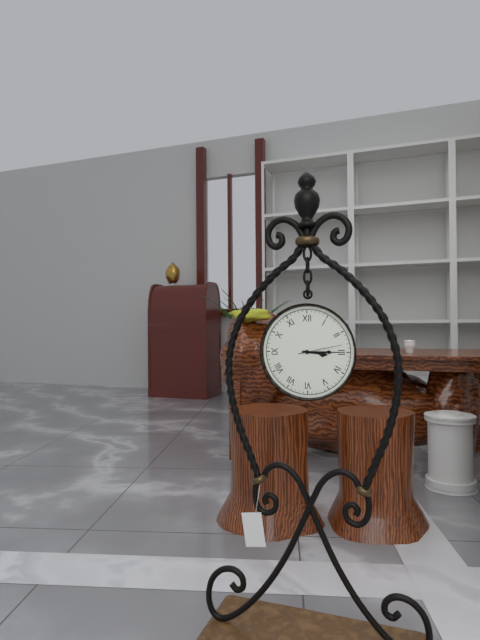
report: 3h15
